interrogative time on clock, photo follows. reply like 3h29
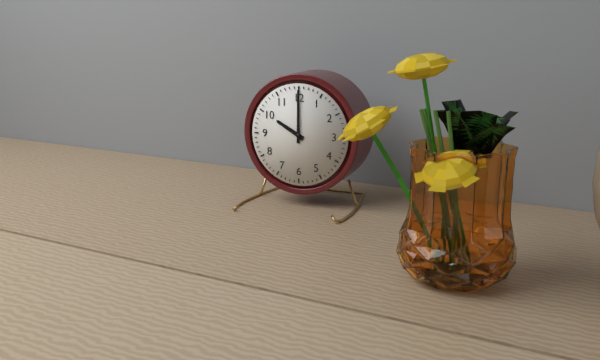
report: 10h00
